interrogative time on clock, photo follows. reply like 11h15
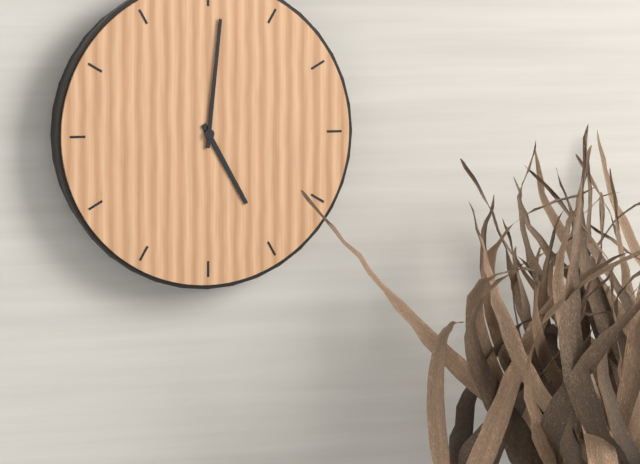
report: 5h01
